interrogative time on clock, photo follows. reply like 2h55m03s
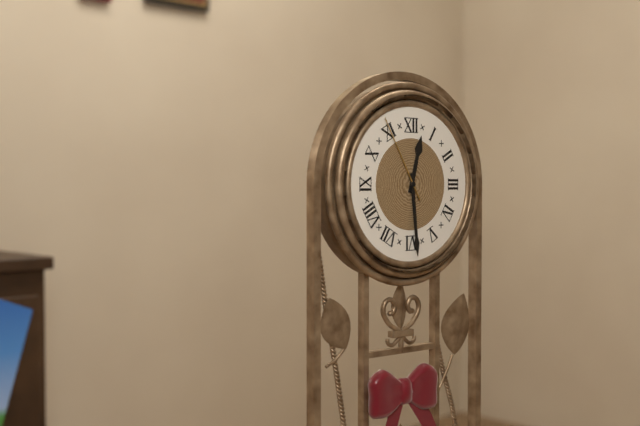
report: 12h29m55s
